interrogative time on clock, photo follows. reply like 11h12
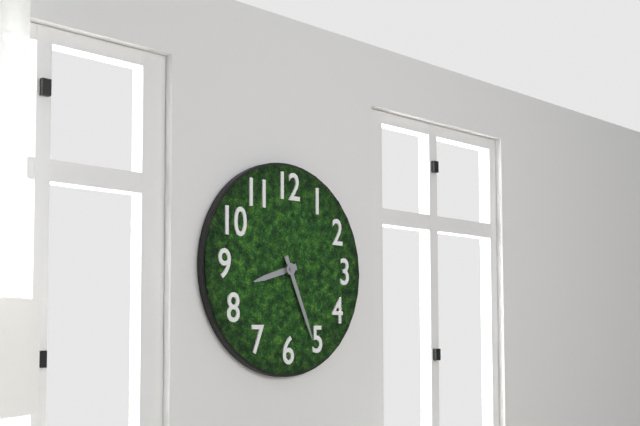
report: 8h26
